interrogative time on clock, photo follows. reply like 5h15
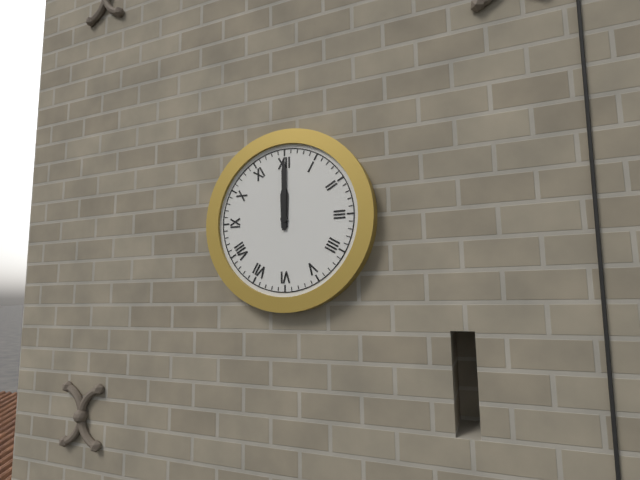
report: 12h00
